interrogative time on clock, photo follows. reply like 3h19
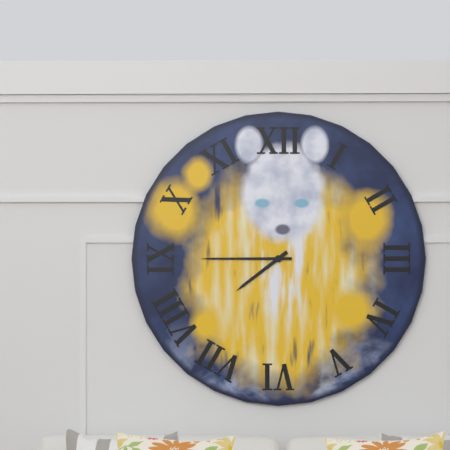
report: 7h45
